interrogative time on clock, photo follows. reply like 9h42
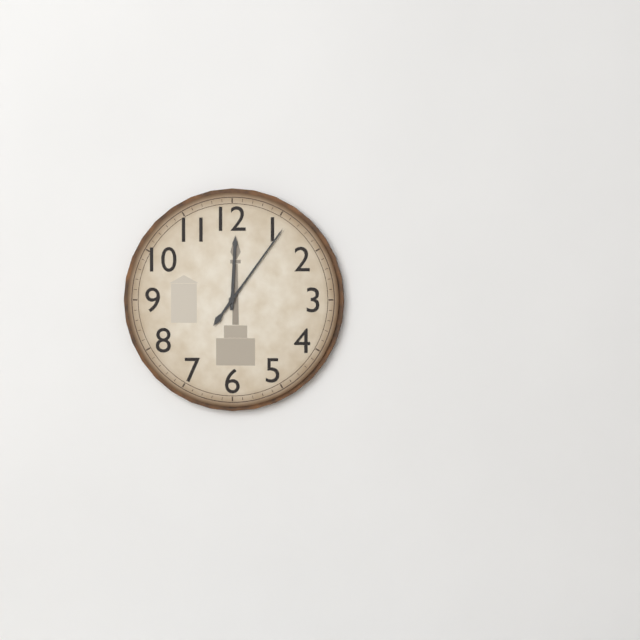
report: 12h06
